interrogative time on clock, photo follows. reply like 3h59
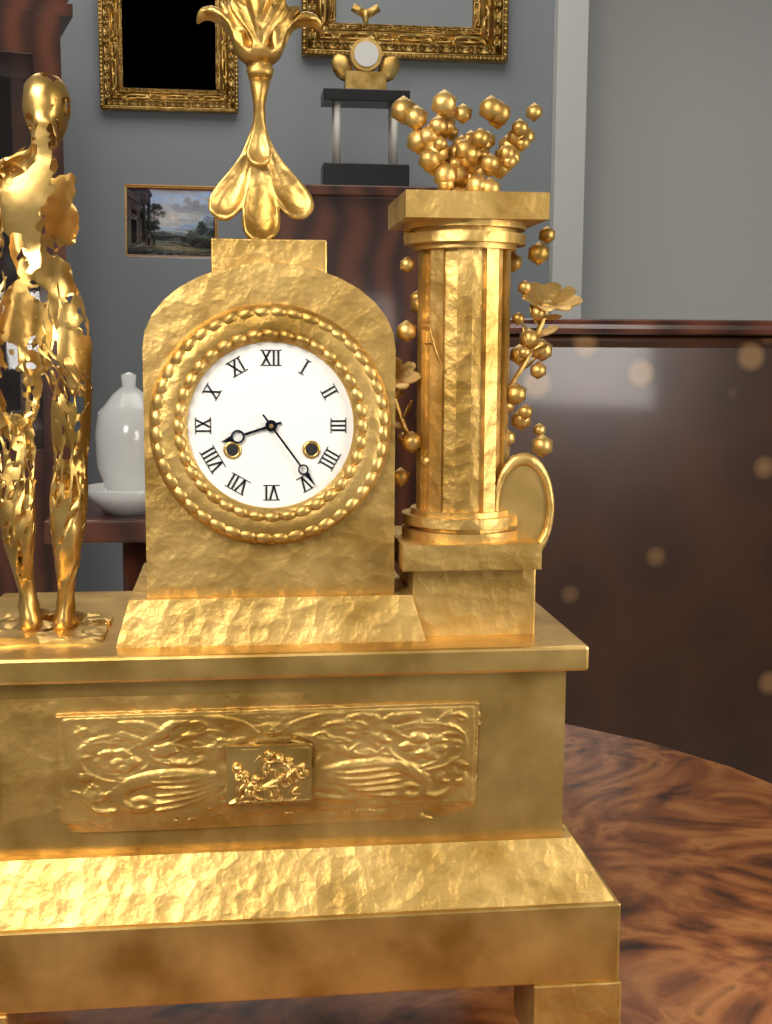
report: 8h24
